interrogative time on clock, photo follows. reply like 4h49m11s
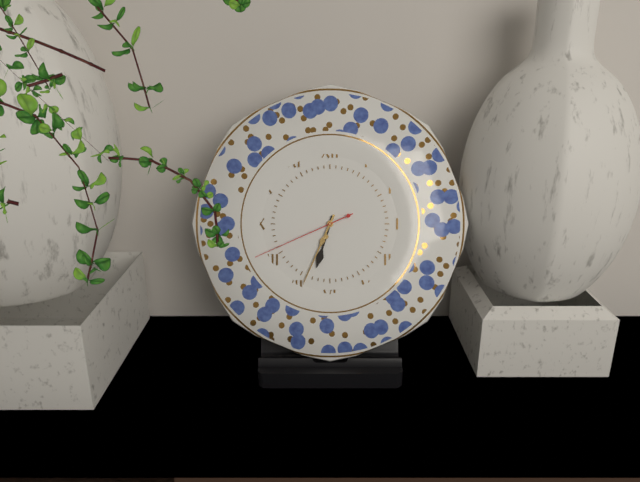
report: 6h34m41s
